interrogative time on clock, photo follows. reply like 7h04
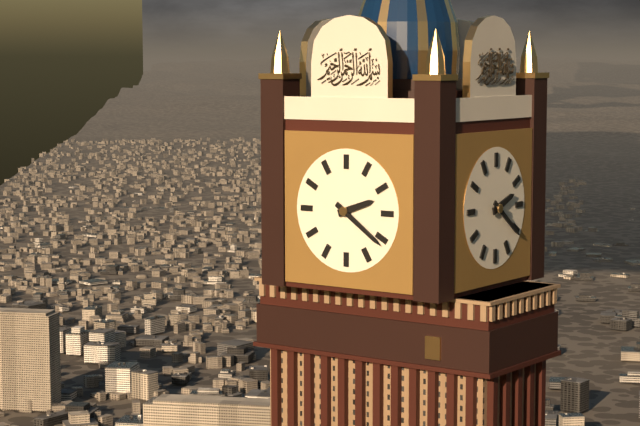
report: 2h21
